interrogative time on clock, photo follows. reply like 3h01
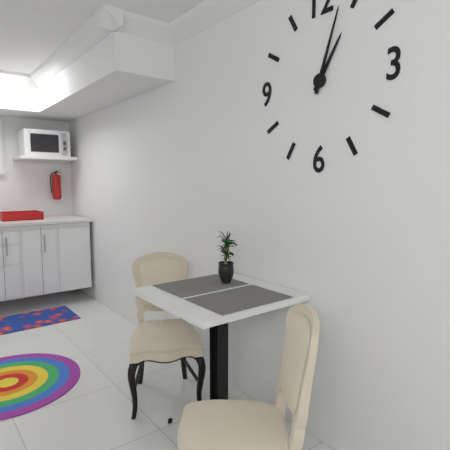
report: 1h03
